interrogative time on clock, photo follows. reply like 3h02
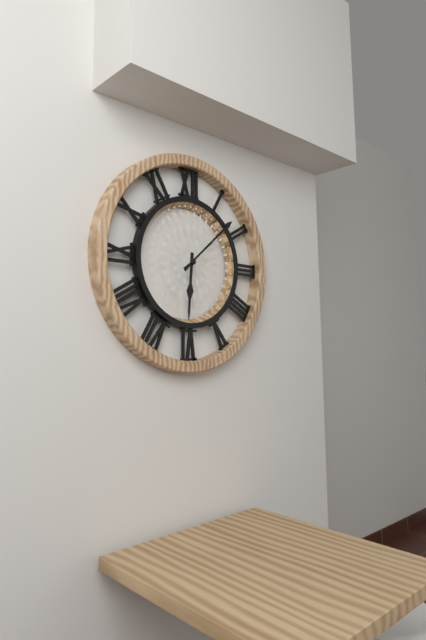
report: 6h08
